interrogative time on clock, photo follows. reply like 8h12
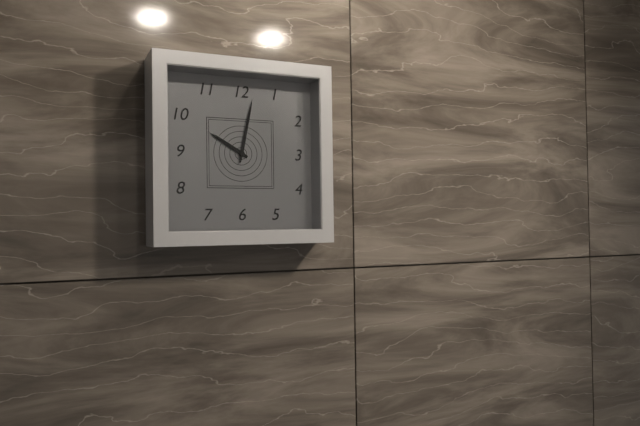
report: 10h02
